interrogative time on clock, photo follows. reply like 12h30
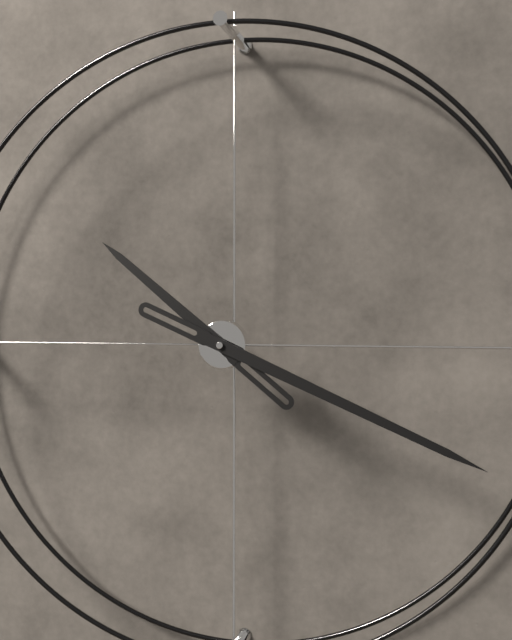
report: 10h19
